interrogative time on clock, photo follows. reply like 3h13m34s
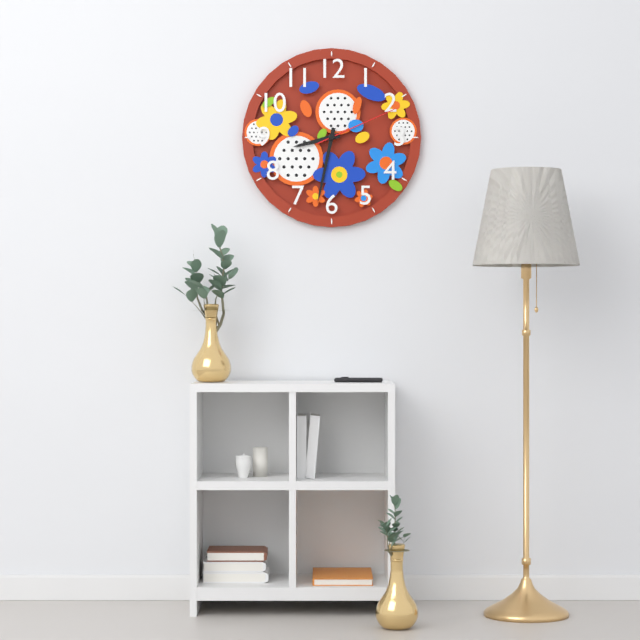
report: 8h32m11s
